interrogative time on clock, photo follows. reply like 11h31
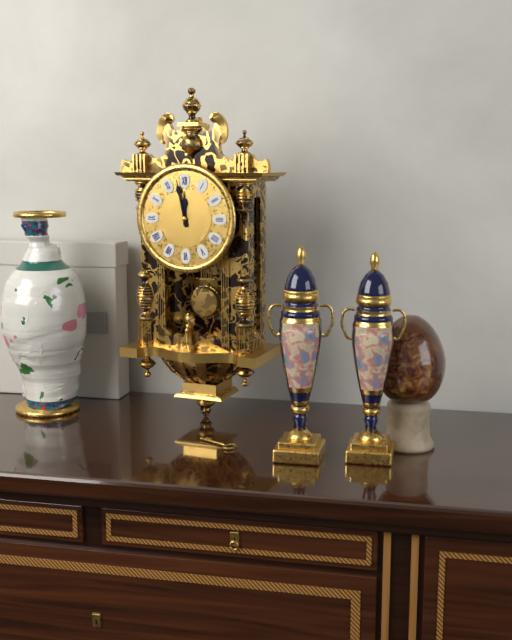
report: 11h58
